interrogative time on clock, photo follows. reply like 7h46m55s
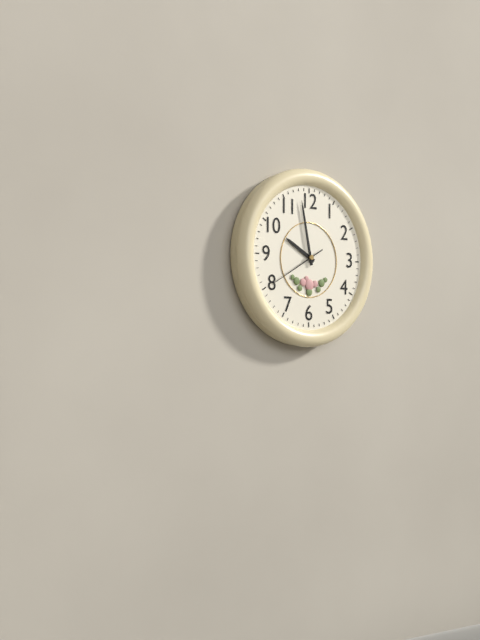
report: 9h58m40s
